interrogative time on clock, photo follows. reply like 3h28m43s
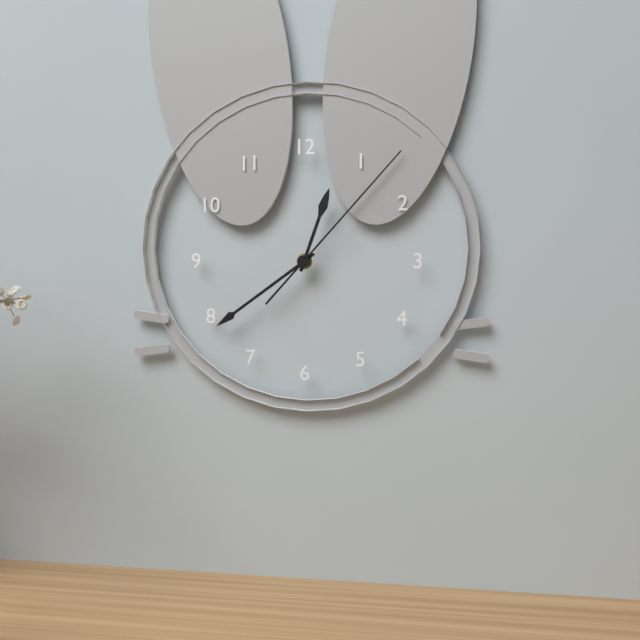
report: 12h39m07s
